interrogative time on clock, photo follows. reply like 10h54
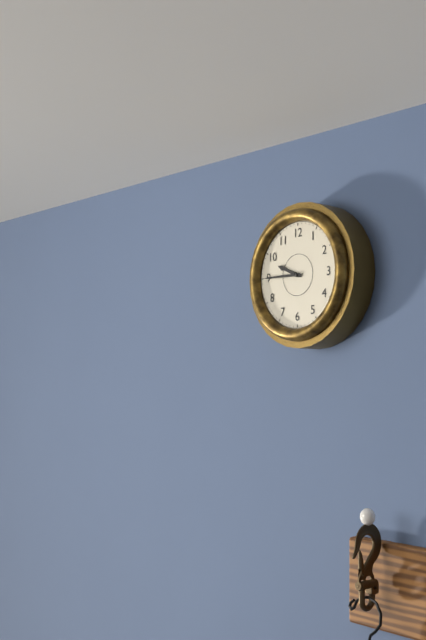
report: 9h45
